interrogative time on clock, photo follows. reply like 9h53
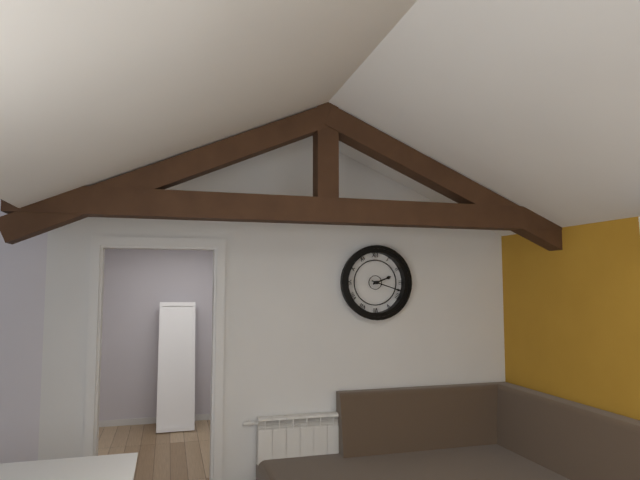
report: 2h18
